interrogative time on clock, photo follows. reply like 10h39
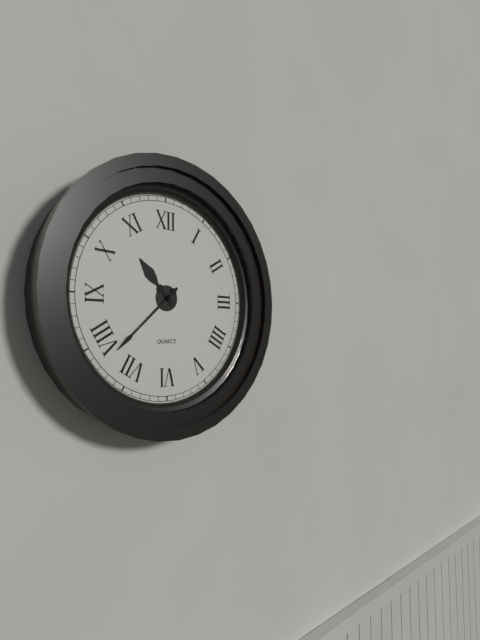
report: 10h38
